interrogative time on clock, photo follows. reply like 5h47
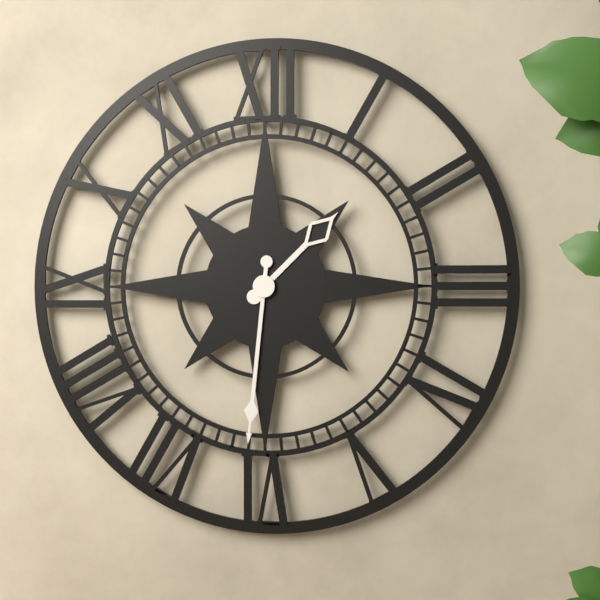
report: 1h31
